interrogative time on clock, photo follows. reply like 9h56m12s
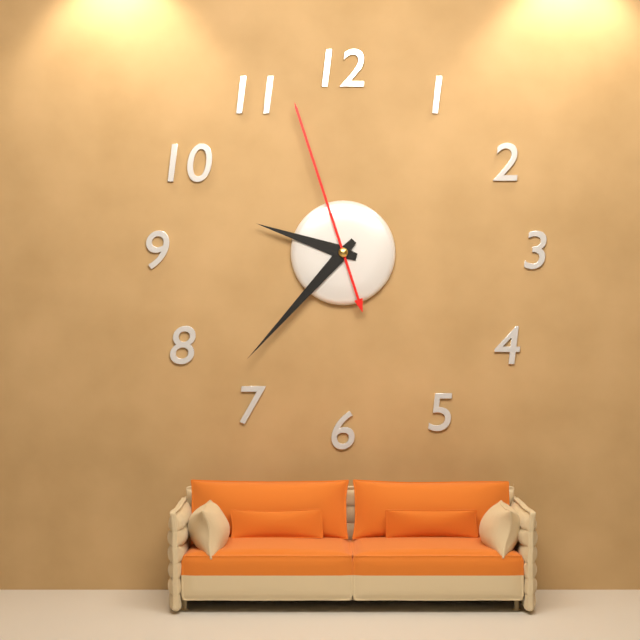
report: 9h37m57s
